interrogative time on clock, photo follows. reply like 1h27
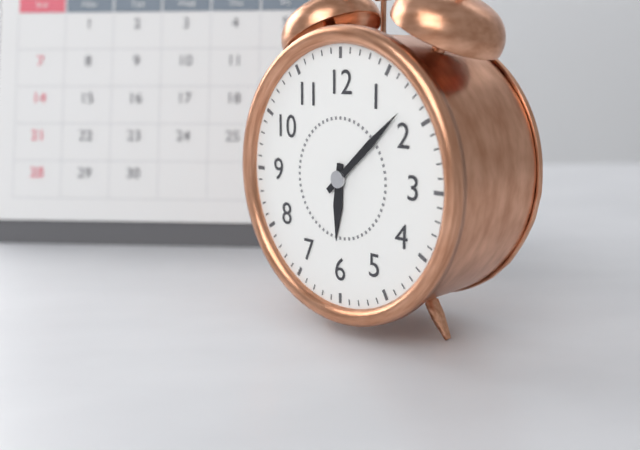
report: 6h08
